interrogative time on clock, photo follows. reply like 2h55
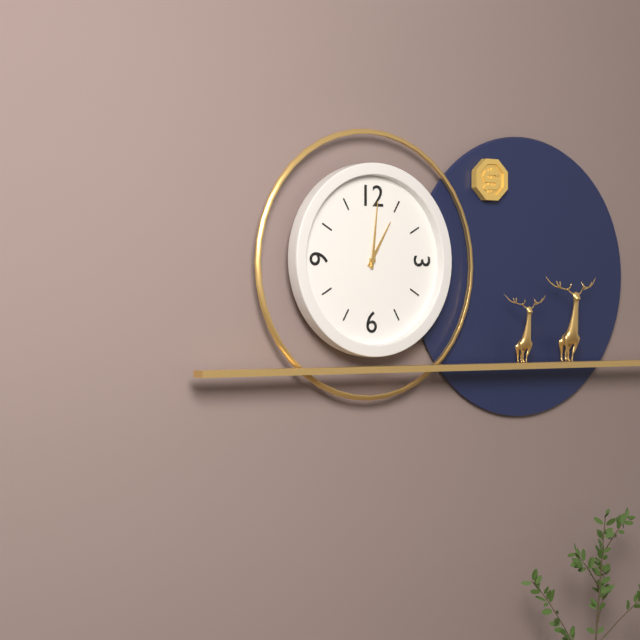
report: 1h01
